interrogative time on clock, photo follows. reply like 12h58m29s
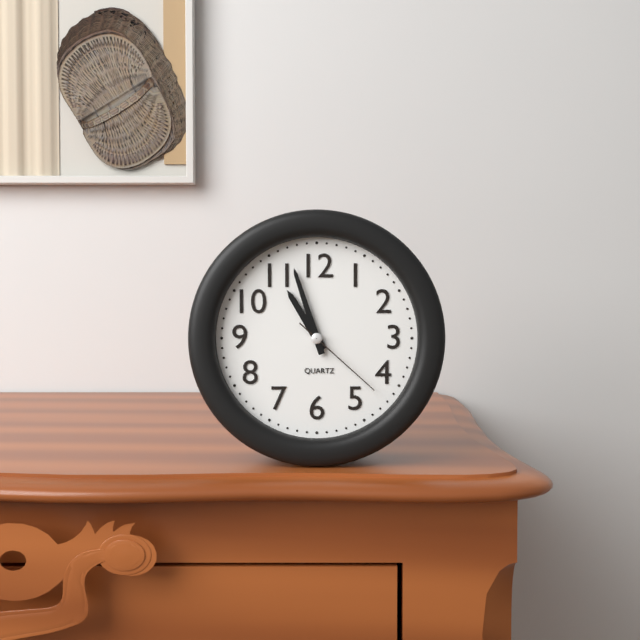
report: 10h57m22s
